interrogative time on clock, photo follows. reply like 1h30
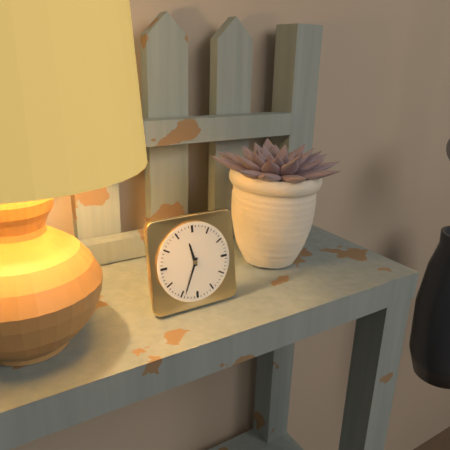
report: 11h34
